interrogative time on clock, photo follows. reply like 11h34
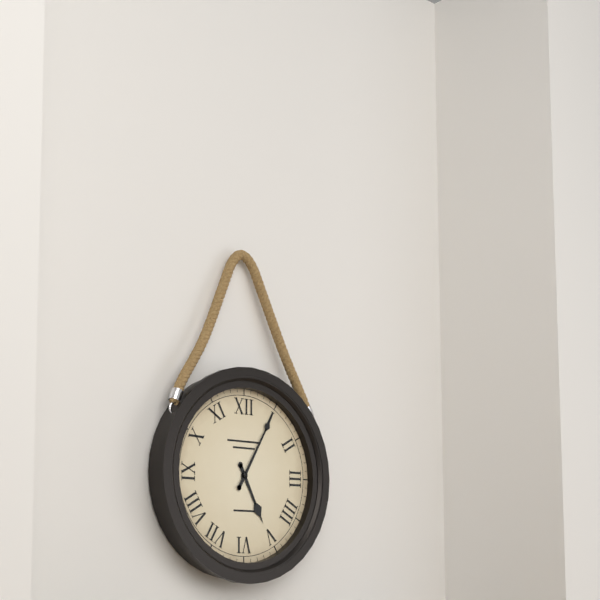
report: 5h05
